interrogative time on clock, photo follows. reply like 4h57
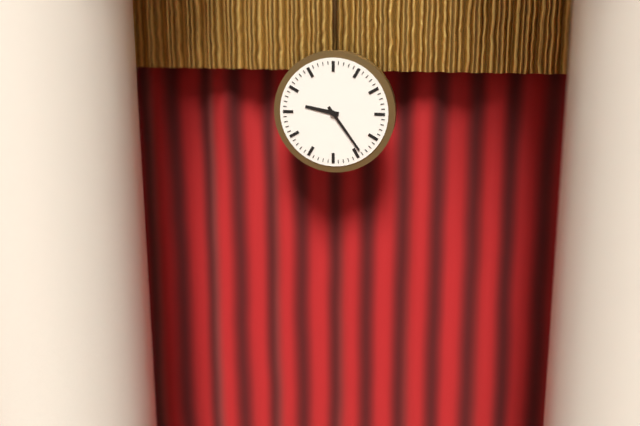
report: 9h24
